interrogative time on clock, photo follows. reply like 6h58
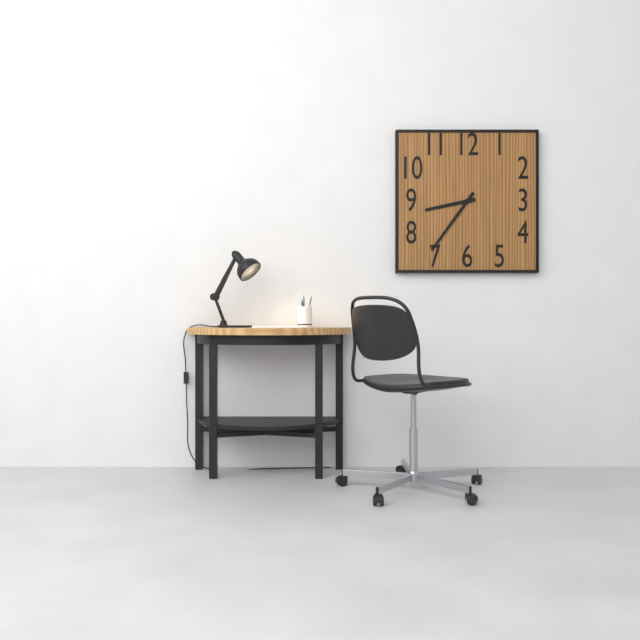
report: 8h36
